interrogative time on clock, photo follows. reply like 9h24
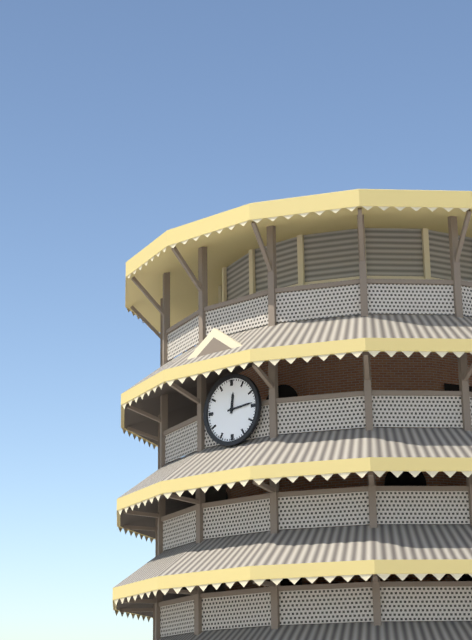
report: 12h14
